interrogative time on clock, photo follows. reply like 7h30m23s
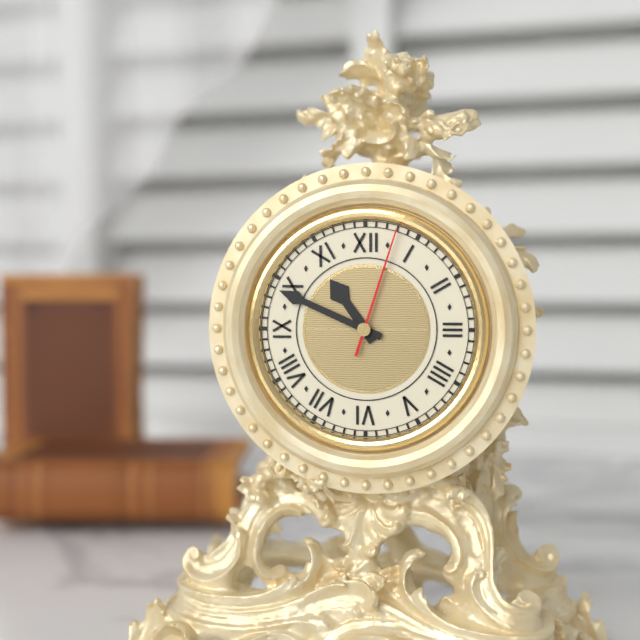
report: 10h49m03s
